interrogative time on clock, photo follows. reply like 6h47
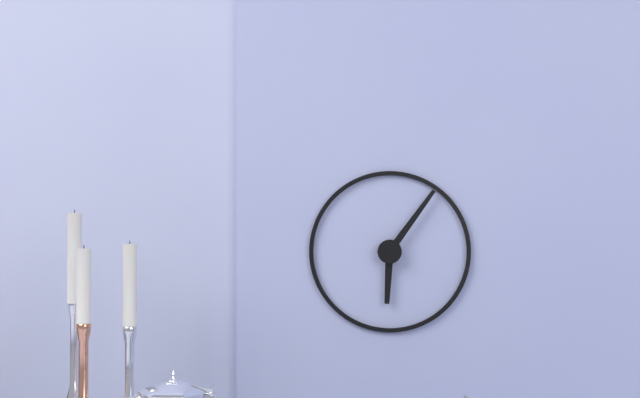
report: 6h06
